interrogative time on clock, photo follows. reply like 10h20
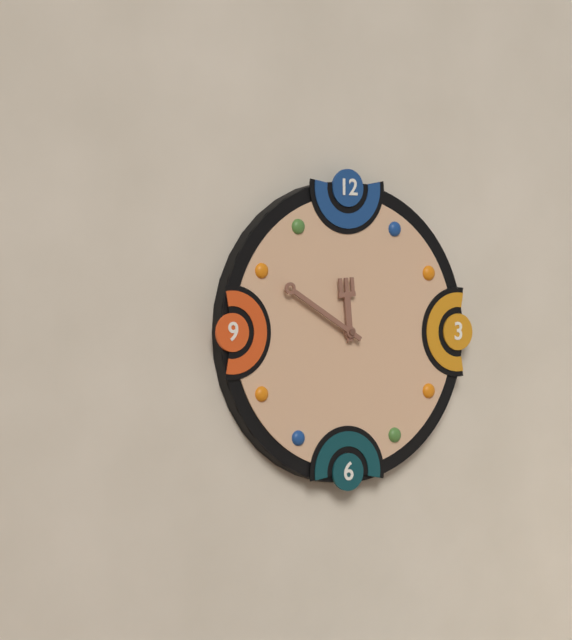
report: 11h50
